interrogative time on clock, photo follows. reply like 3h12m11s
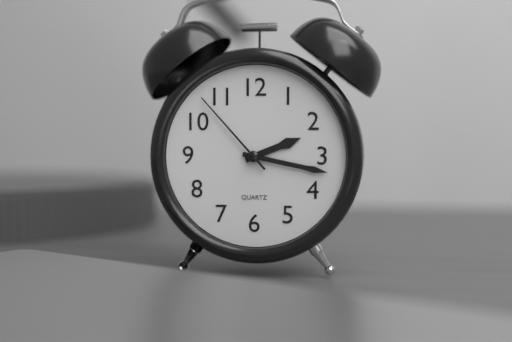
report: 2h17m53s
